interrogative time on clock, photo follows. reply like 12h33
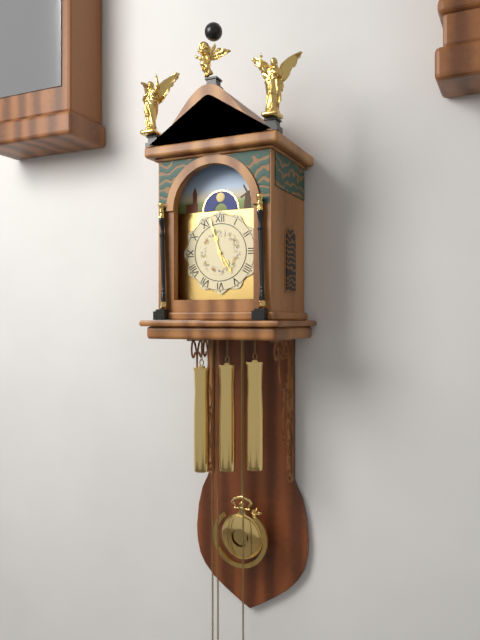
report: 4h57
